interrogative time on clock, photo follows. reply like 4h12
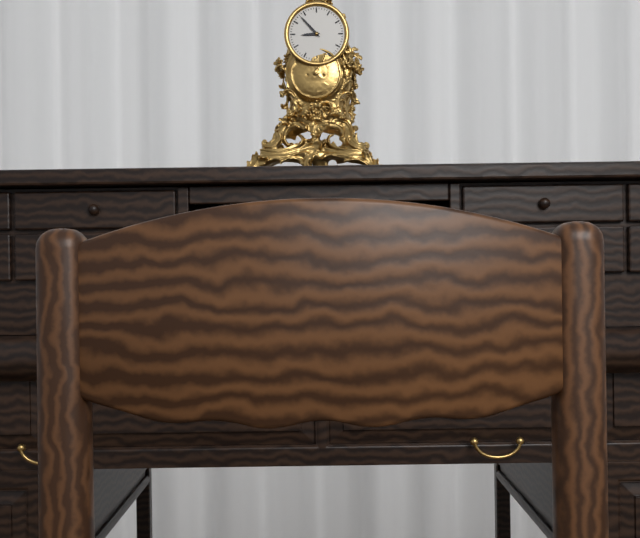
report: 8h53
